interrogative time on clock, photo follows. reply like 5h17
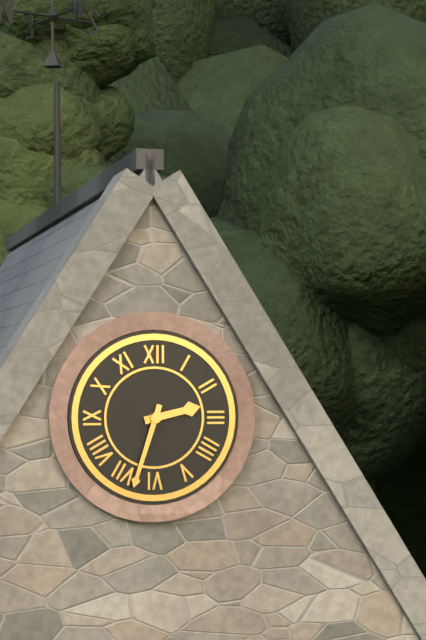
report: 2h33
